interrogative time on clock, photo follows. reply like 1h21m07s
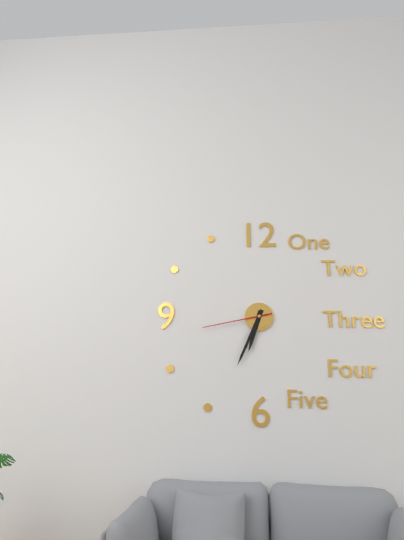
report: 6h34m43s
